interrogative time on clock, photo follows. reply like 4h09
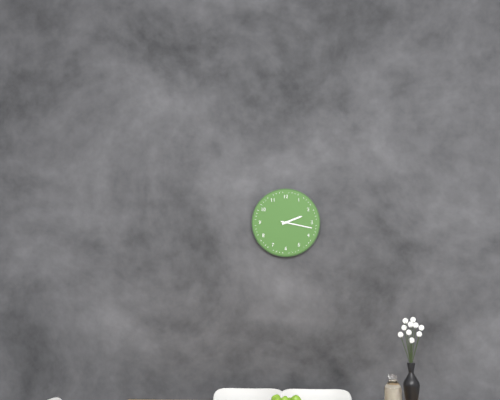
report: 2h17
